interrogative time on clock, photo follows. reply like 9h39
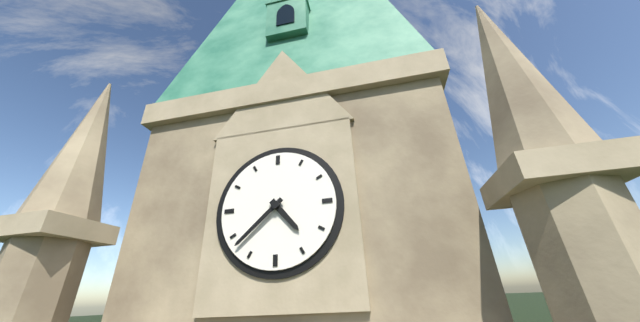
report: 4h38
